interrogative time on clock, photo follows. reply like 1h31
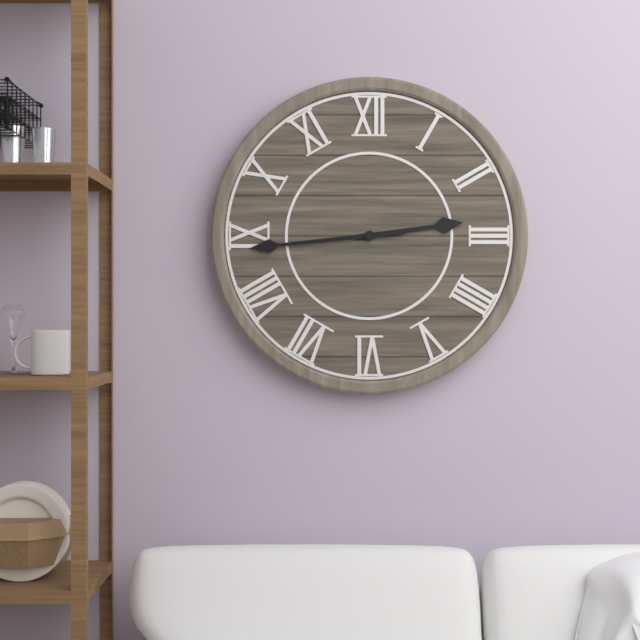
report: 2h44
